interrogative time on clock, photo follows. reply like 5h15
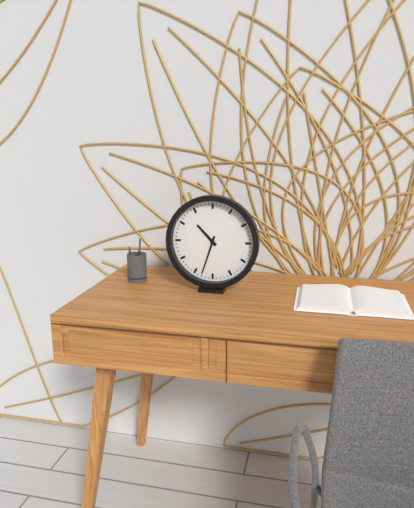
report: 10h33
